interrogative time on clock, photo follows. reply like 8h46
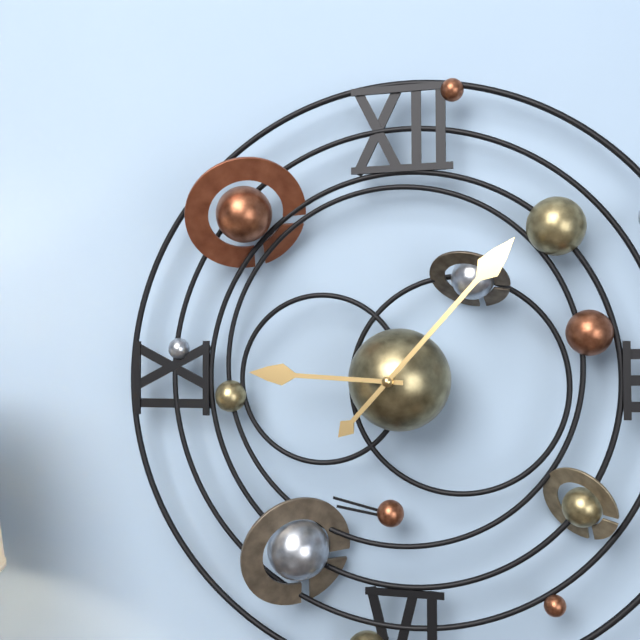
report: 9h07
